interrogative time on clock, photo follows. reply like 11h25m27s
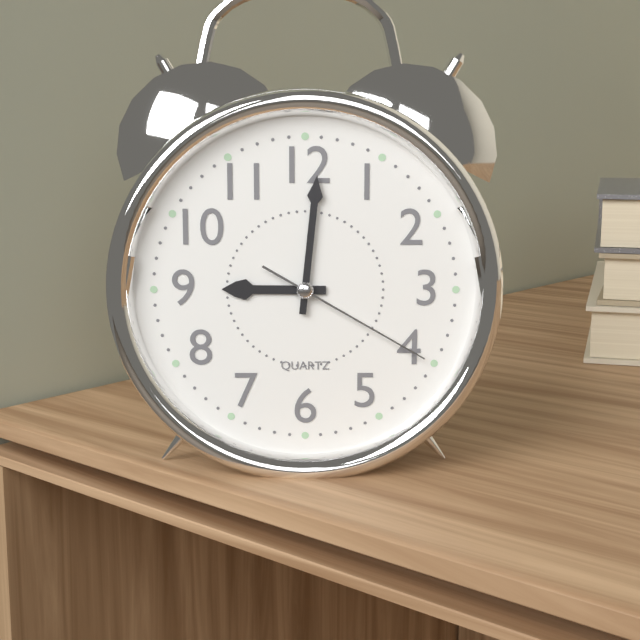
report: 9h01m20s
